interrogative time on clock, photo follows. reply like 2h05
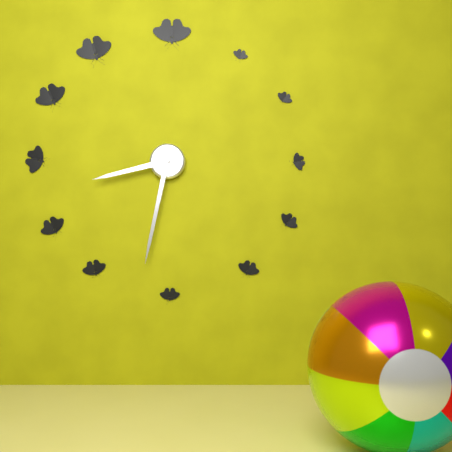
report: 8h32
